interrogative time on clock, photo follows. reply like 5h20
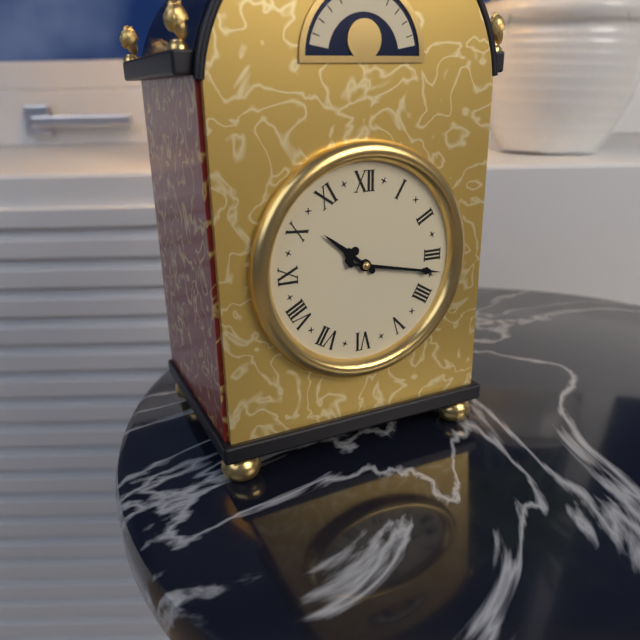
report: 10h17
